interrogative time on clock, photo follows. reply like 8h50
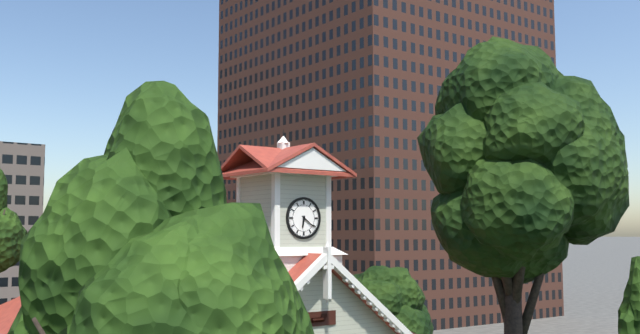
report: 6h21
